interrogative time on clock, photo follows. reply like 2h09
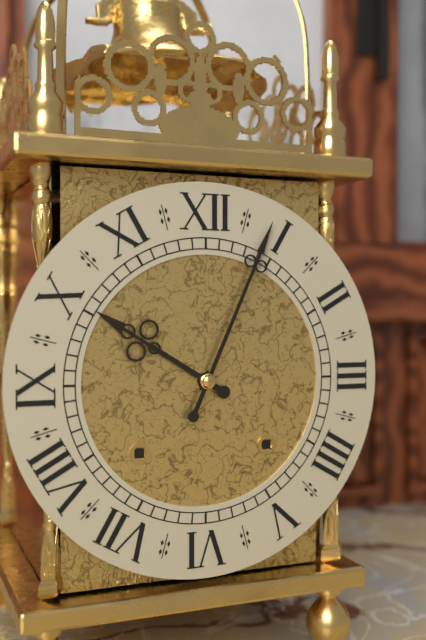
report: 10h04
